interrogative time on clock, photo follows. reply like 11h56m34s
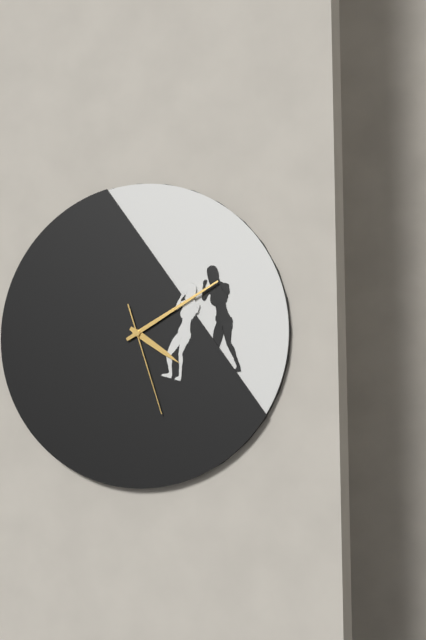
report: 4h10m27s
